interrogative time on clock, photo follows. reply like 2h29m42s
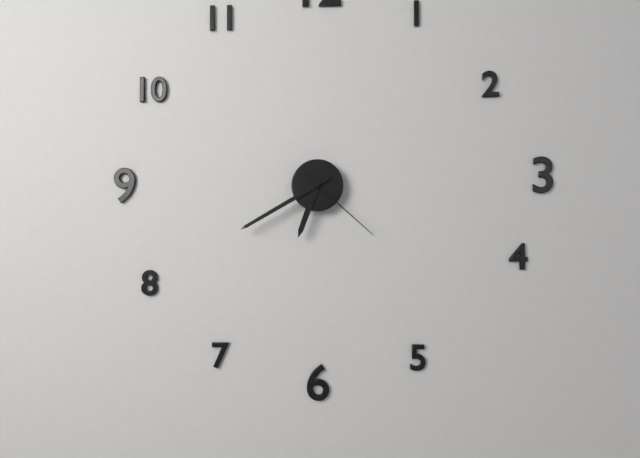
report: 6h40m22s
